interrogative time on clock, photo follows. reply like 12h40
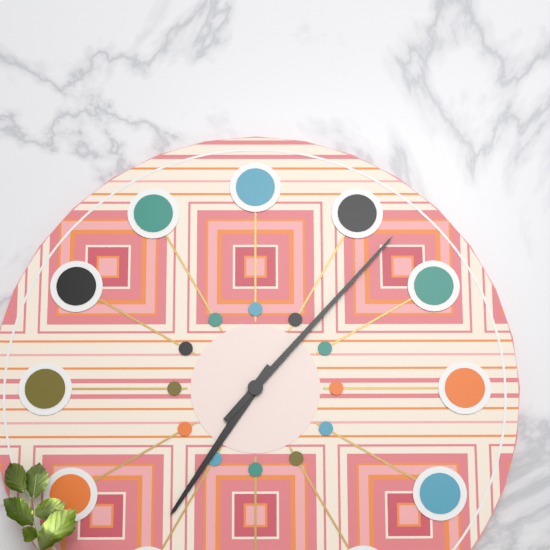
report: 7h07
